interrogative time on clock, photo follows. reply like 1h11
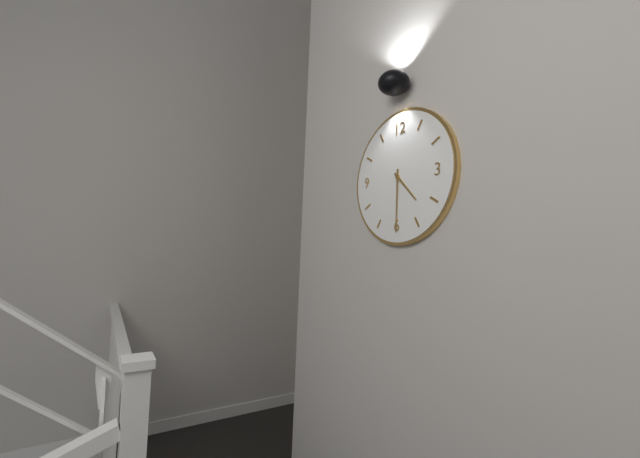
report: 4h30
